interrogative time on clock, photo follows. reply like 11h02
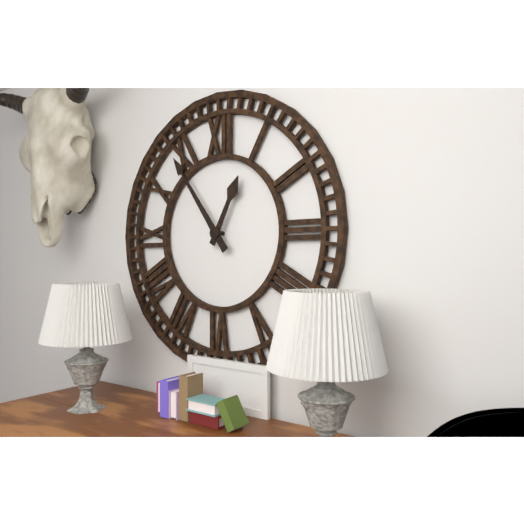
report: 12h54
